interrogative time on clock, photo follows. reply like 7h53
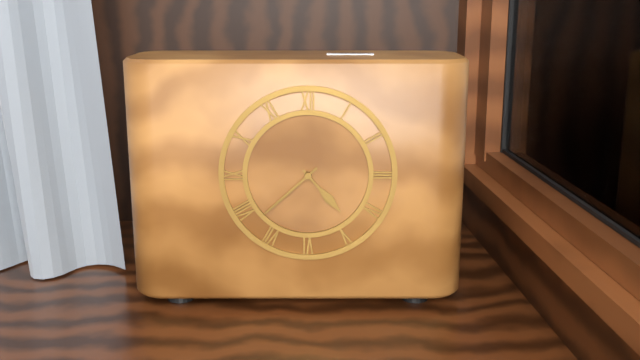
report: 4h38
